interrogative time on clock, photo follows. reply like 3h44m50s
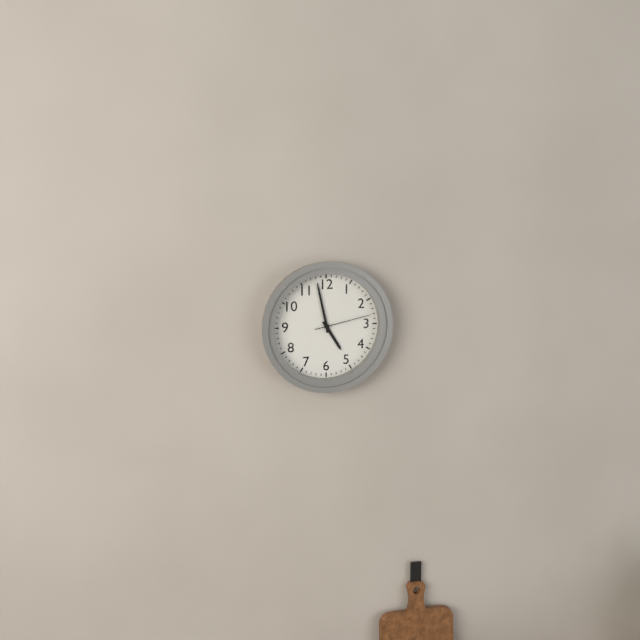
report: 4h58m13s
